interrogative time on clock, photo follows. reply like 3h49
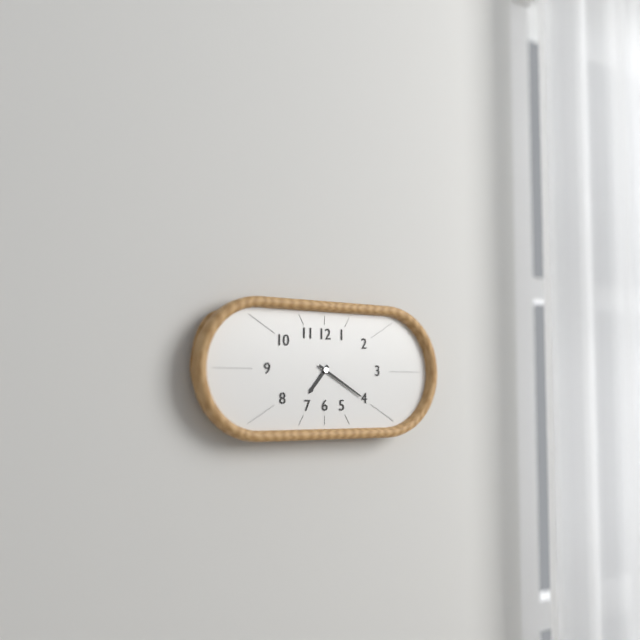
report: 7h20
